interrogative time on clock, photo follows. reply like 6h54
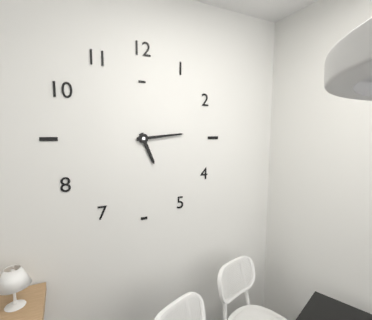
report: 5h14
